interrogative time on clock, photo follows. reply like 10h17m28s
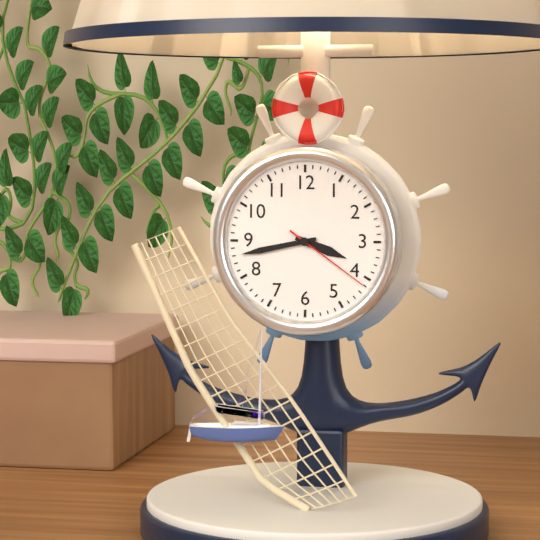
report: 3h43m21s
